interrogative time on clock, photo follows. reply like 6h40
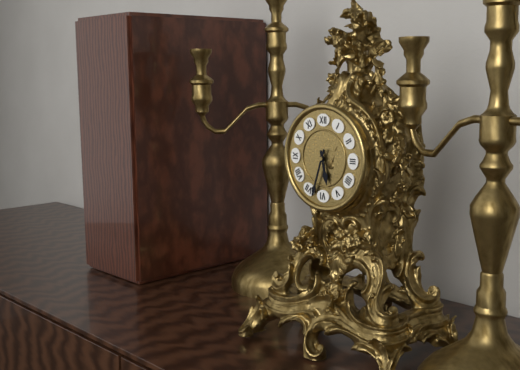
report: 5h33
